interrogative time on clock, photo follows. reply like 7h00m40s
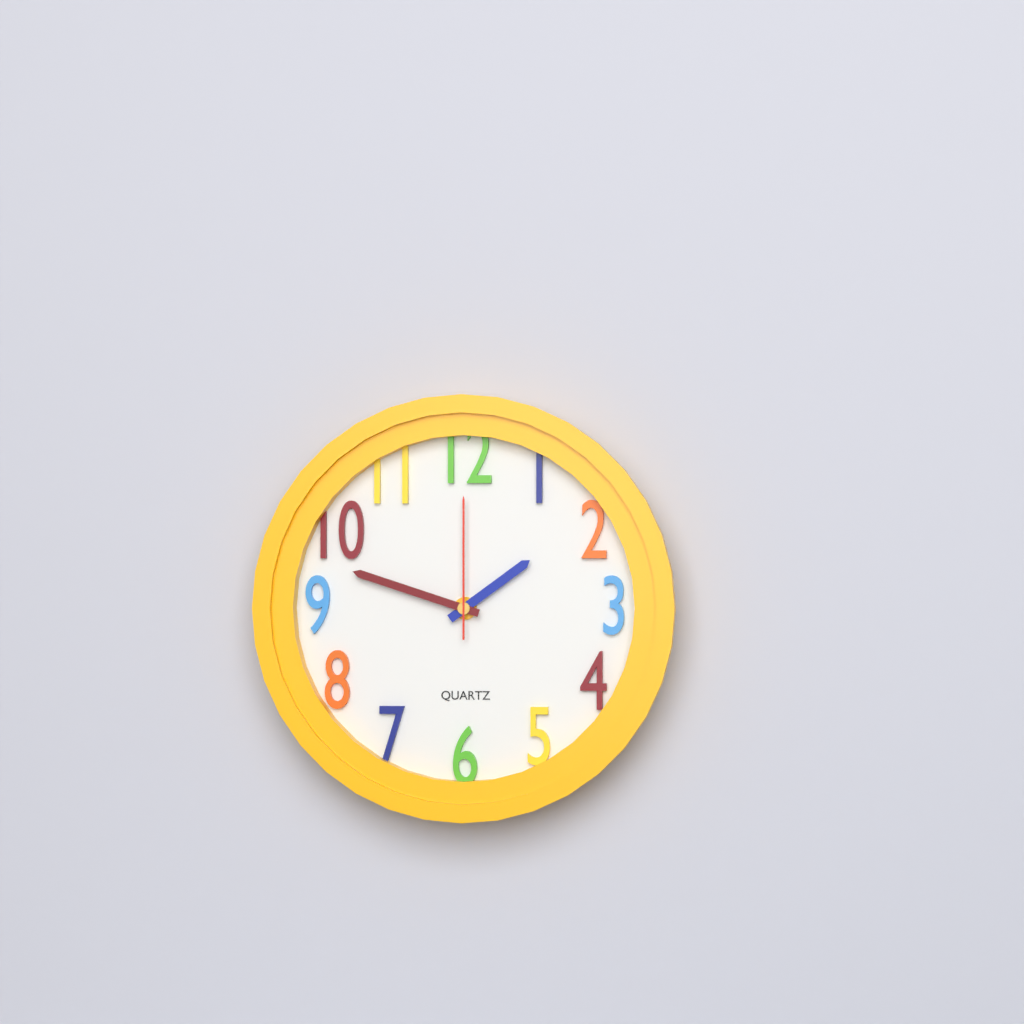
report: 1h48m00s
